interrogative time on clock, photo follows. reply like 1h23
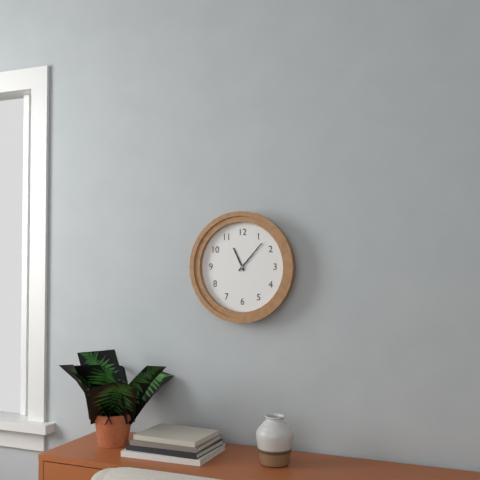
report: 11h07
